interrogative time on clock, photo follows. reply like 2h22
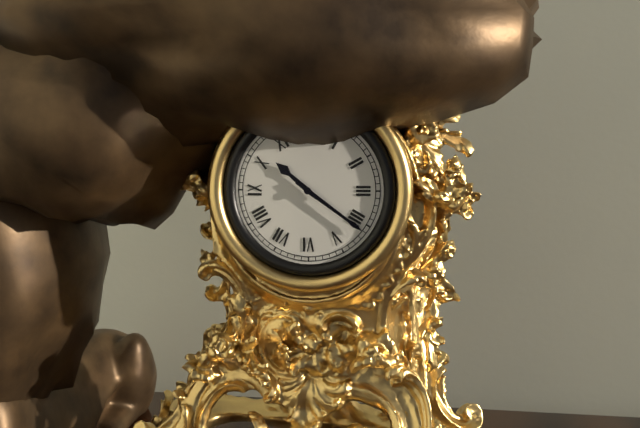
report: 10h21
